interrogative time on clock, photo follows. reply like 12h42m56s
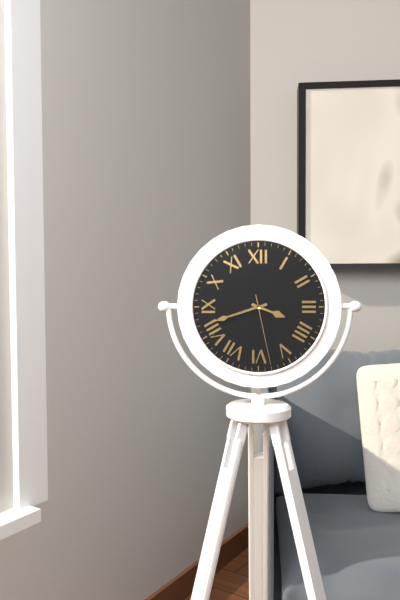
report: 3h42m28s
